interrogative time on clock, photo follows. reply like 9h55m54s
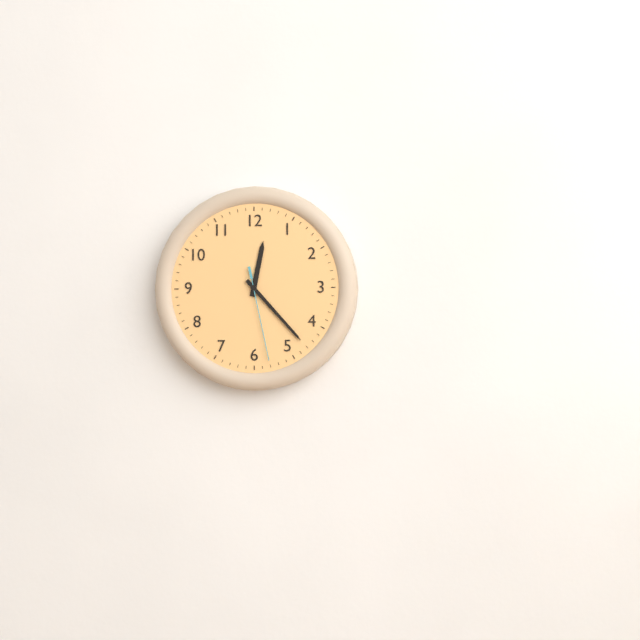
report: 12h23m28s
